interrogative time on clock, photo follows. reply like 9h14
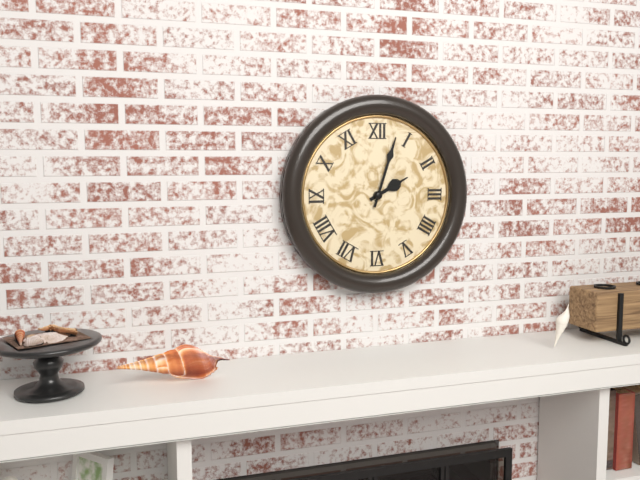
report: 2h03
